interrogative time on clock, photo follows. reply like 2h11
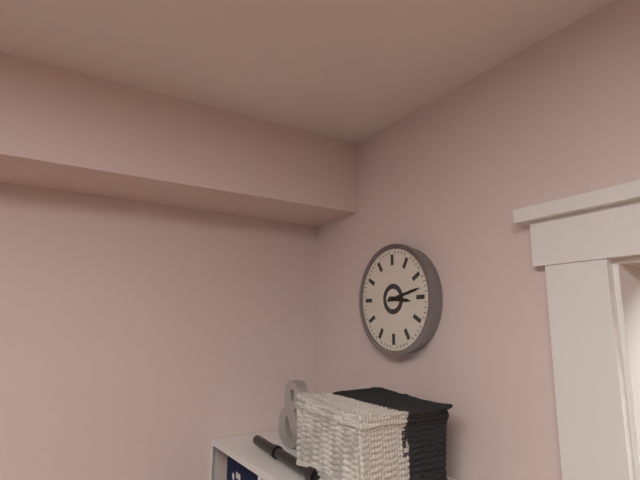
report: 3h13
